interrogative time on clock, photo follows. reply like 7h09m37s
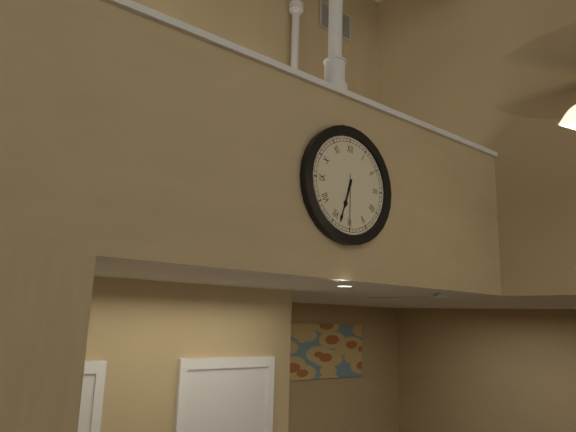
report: 6h33m30s
